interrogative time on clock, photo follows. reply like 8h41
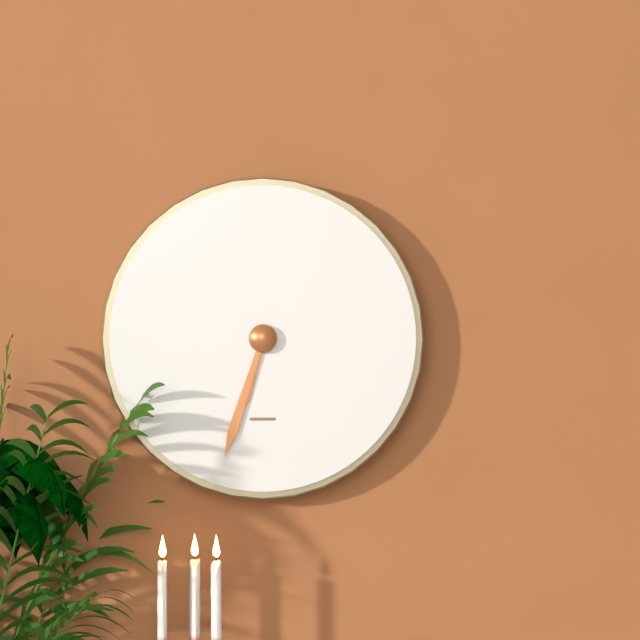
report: 6h33
